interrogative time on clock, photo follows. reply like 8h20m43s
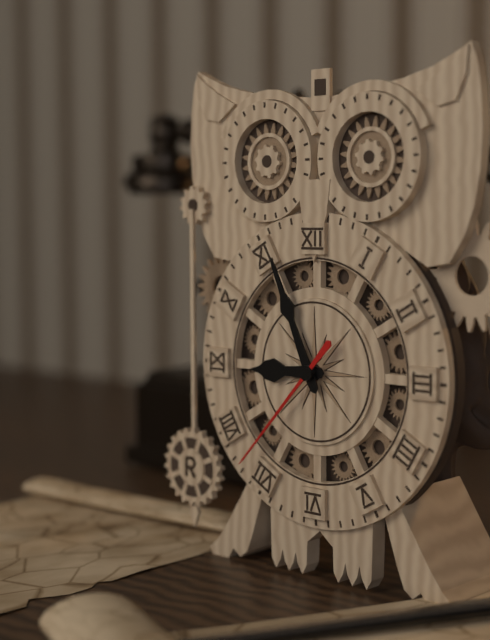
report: 8h56m37s
